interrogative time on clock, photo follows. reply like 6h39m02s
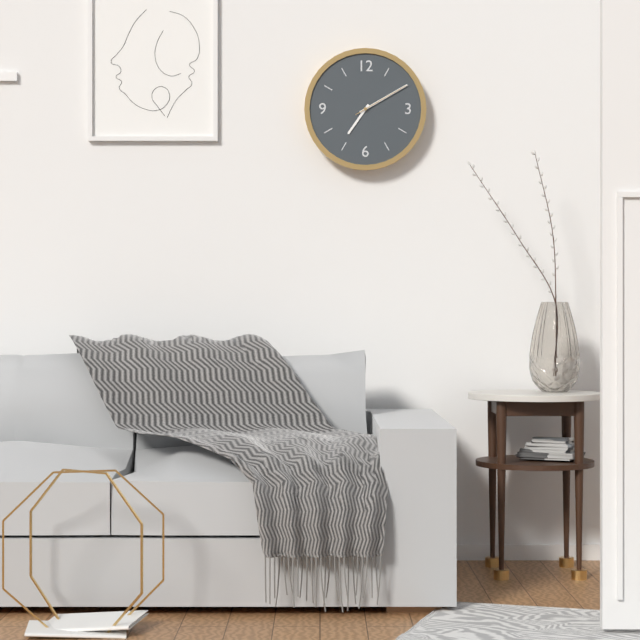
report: 7h10m10s
